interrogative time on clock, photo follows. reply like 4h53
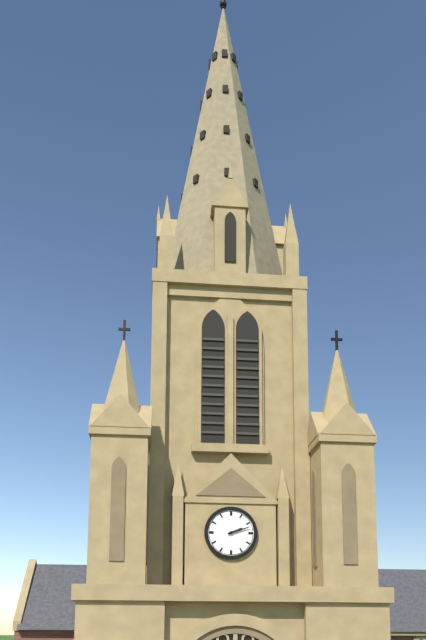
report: 2h12
